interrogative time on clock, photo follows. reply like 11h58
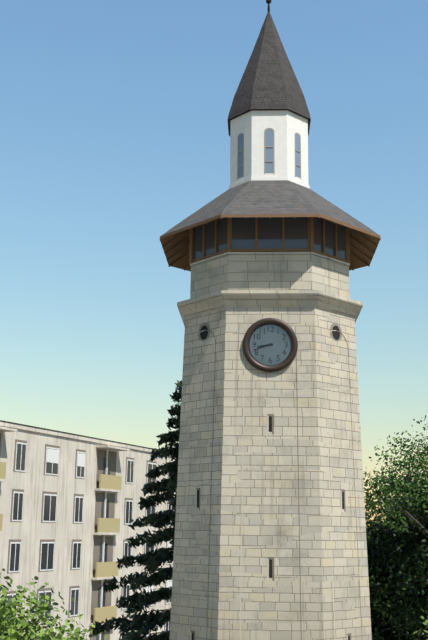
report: 8h42
